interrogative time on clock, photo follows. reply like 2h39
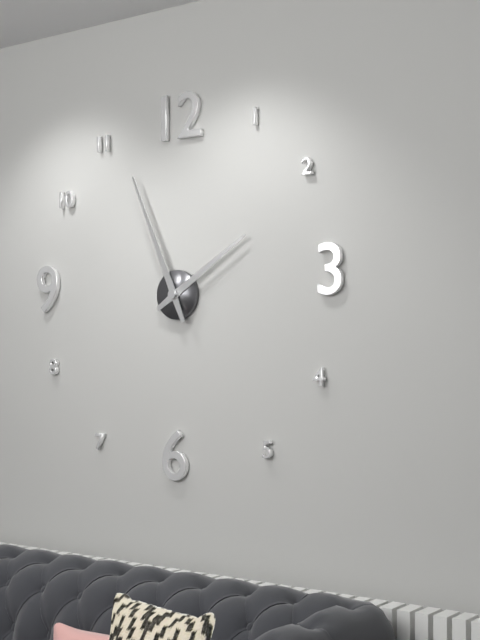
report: 1h56
